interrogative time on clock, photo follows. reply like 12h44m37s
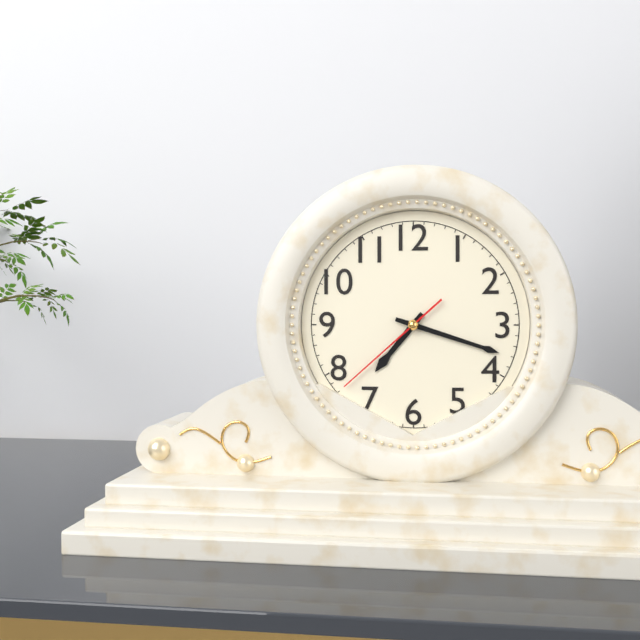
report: 7h18m38s
